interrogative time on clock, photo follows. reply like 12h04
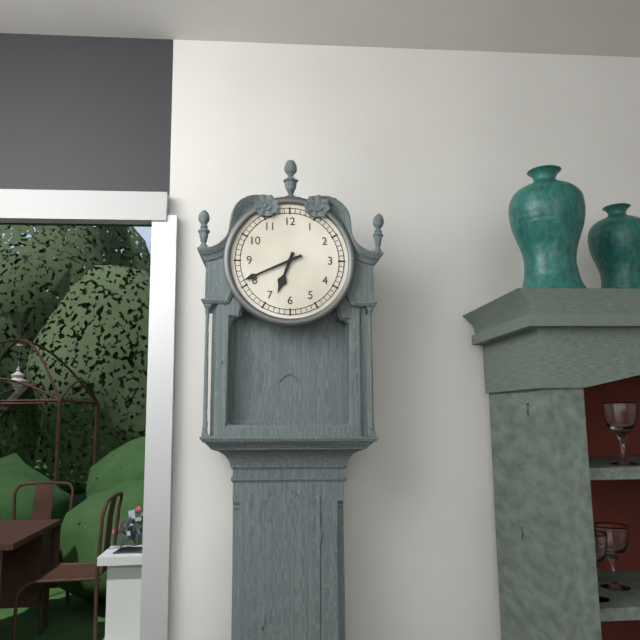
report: 6h41
